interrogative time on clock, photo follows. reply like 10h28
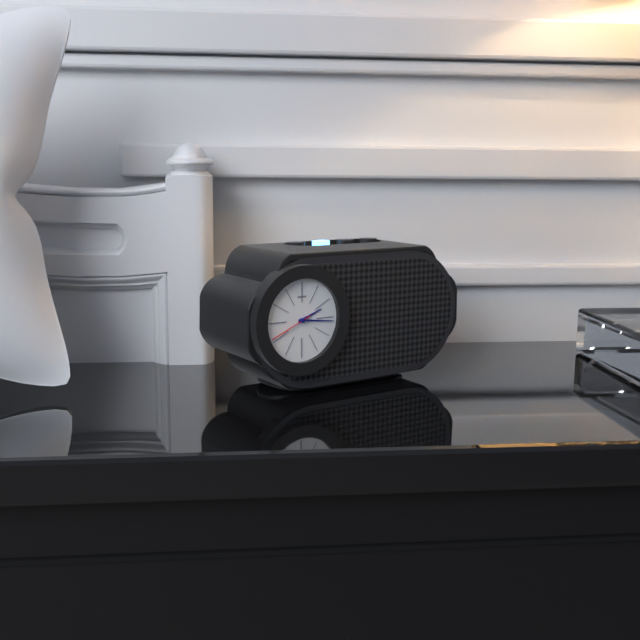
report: 2h16
